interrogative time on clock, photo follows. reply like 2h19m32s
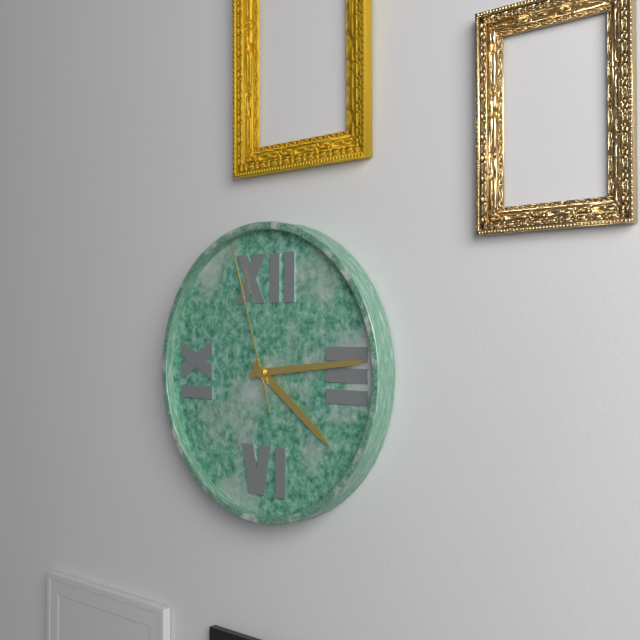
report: 4h14m57s
